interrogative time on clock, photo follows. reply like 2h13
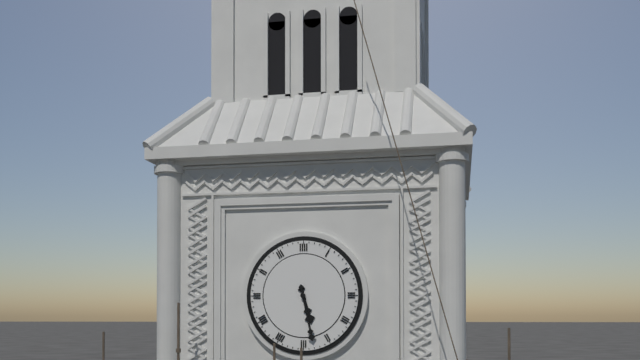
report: 5h28
